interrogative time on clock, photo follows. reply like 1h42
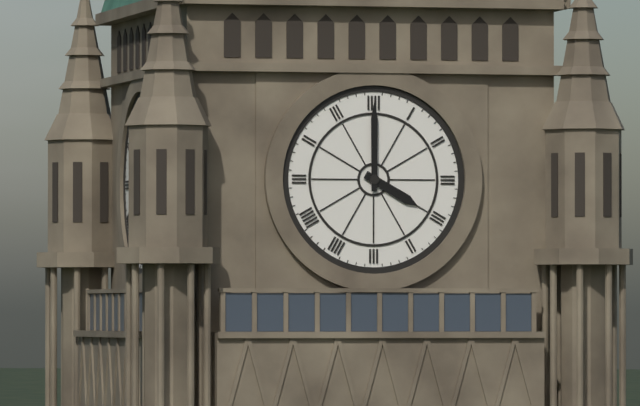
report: 4h00
